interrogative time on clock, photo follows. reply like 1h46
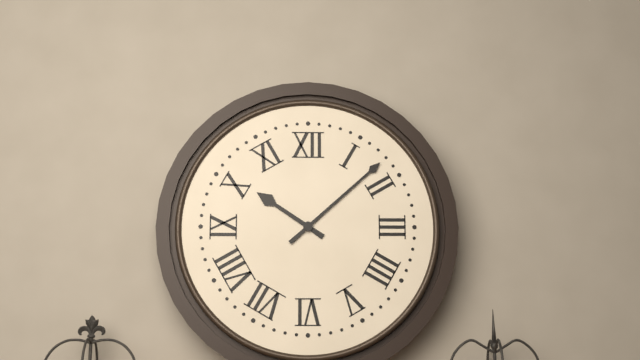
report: 10h08
